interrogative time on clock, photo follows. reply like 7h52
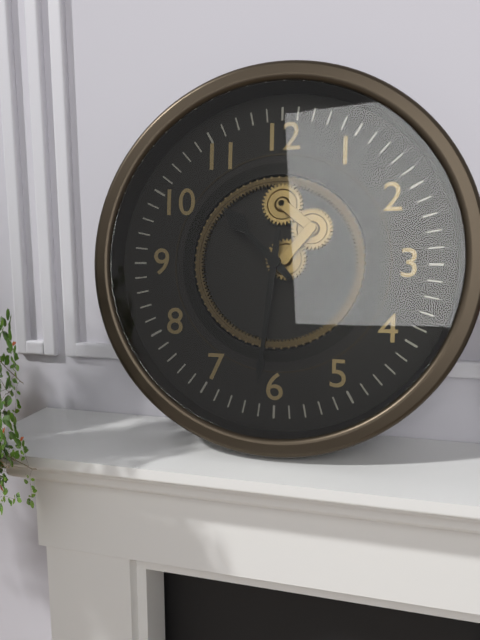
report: 10h31
